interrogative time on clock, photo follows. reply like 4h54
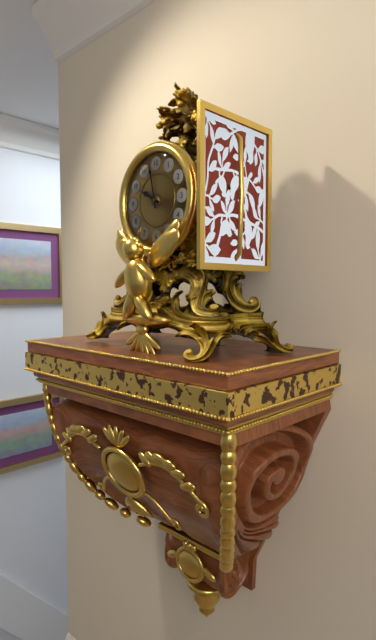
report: 9h58
